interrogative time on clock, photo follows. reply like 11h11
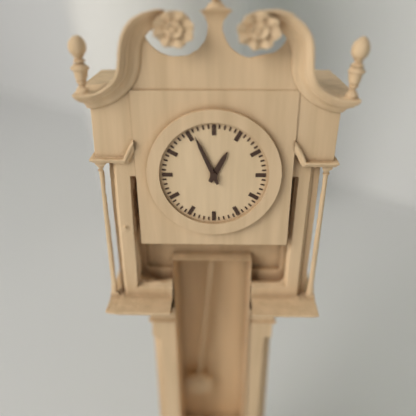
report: 12h56
